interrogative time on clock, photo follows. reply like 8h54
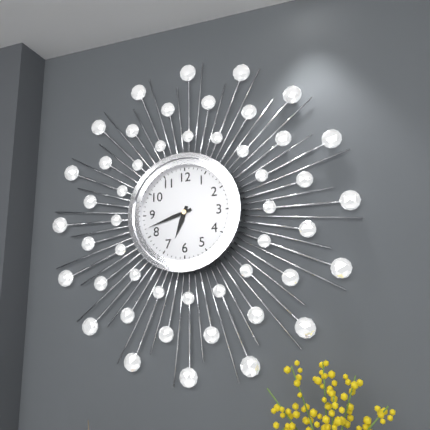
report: 6h42
